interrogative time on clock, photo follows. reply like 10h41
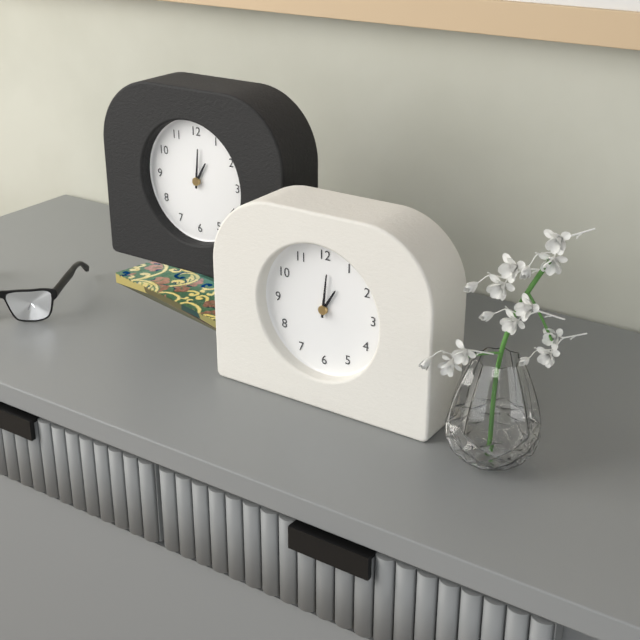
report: 1h01
